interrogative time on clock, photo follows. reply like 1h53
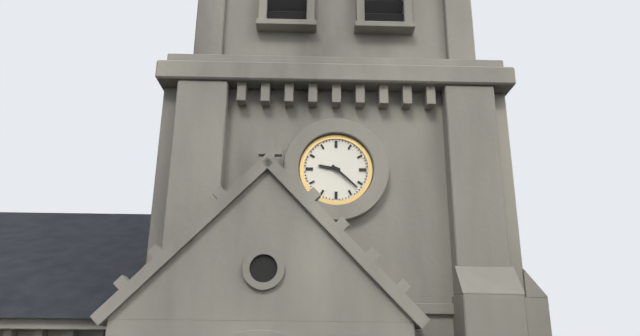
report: 9h22
